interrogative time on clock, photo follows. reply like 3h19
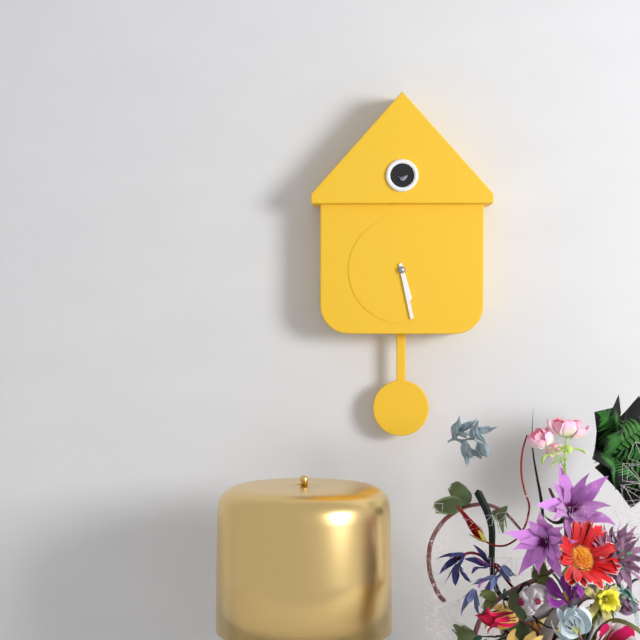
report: 5h28
